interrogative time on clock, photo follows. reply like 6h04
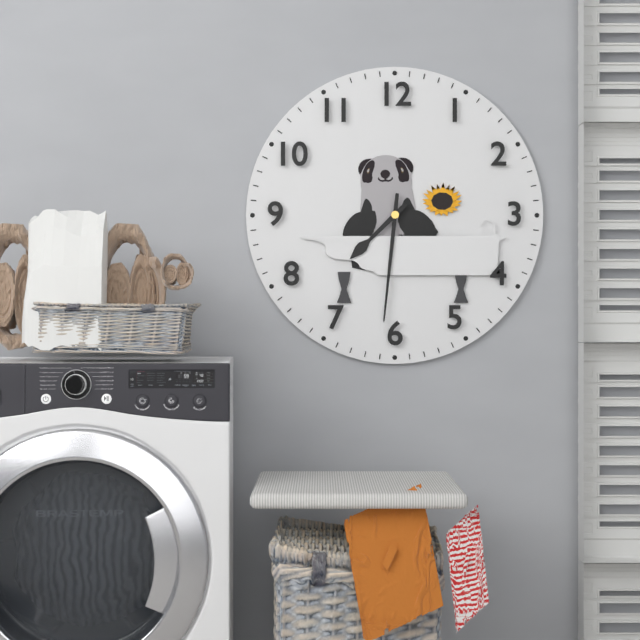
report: 7h31
